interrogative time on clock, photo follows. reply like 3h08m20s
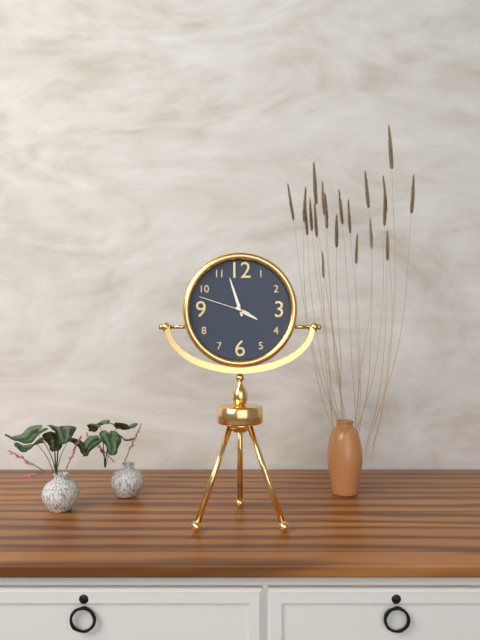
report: 3h57m48s
